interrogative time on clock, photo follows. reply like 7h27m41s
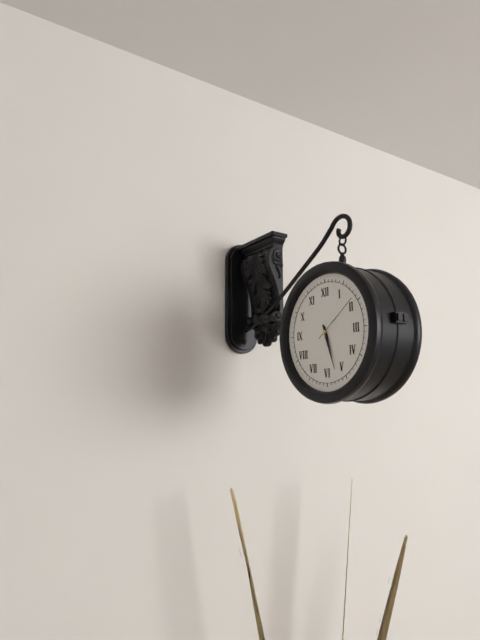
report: 5h27m09s
